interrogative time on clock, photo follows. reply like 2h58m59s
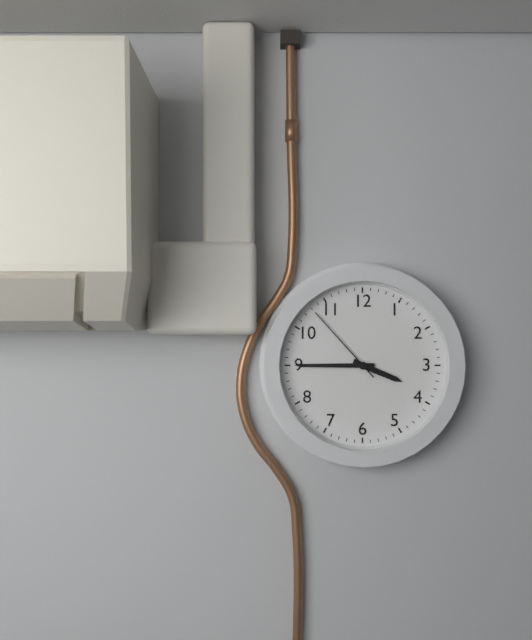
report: 3h45m53s
